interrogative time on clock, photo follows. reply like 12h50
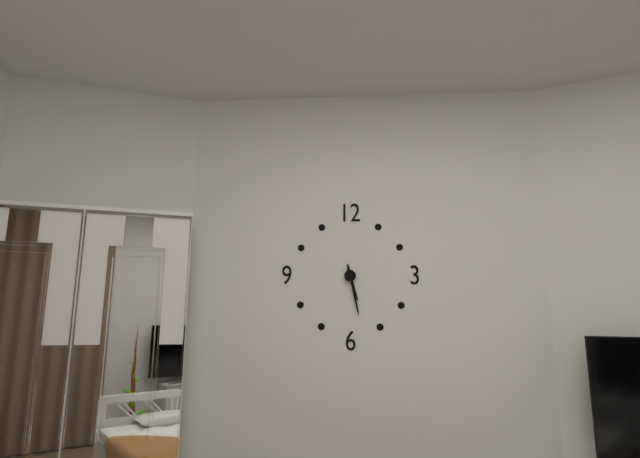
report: 5h28
